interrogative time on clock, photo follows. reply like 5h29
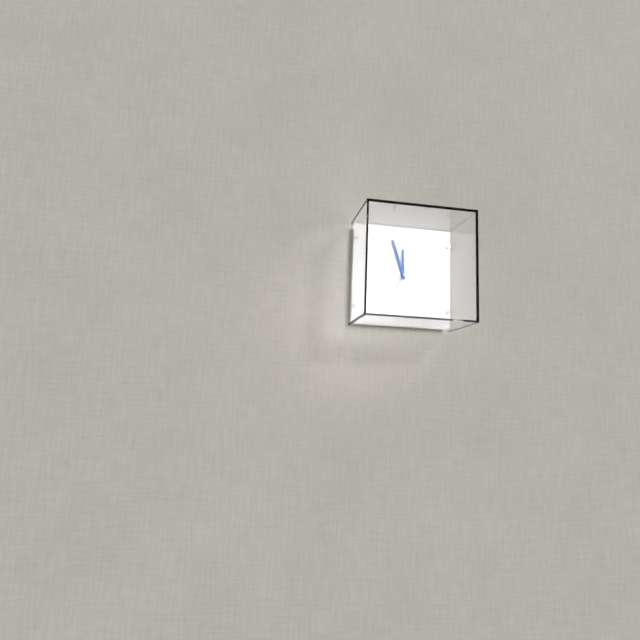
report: 11h57
